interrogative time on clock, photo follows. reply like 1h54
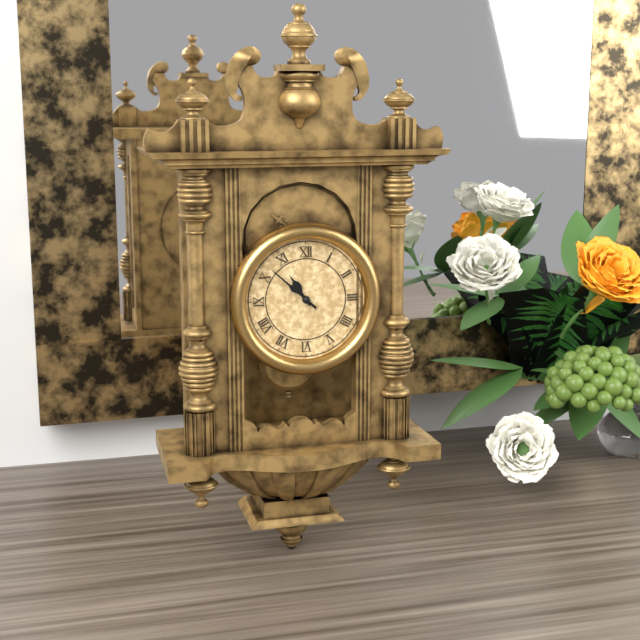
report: 10h52
